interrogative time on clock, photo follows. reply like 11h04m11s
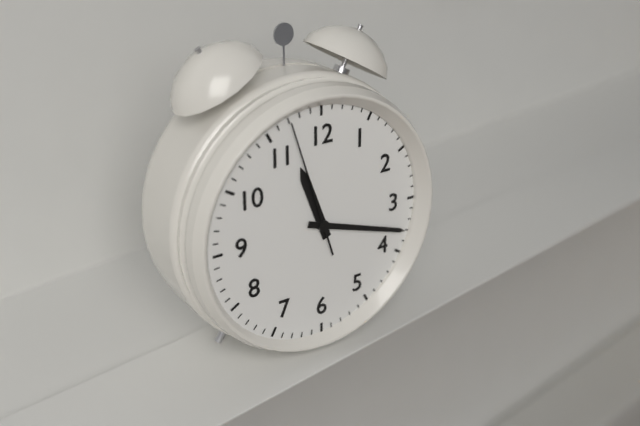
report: 11h18m57s
